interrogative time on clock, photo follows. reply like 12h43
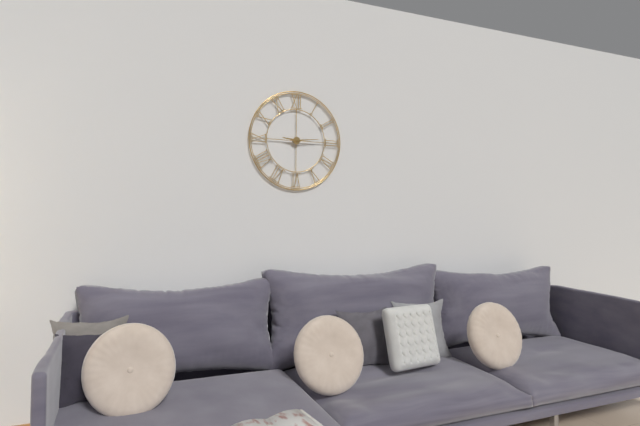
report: 9h14
